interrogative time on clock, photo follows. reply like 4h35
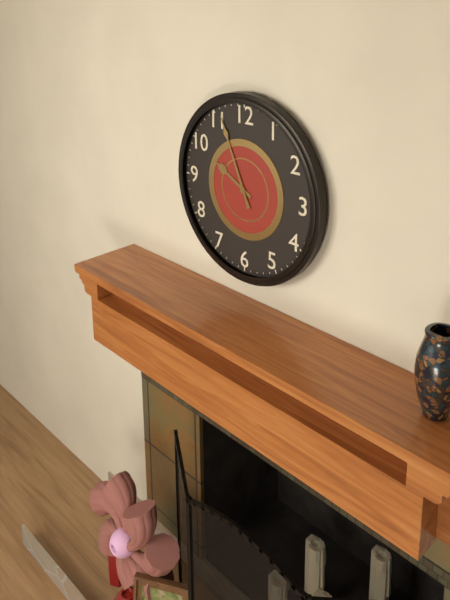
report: 9h56
